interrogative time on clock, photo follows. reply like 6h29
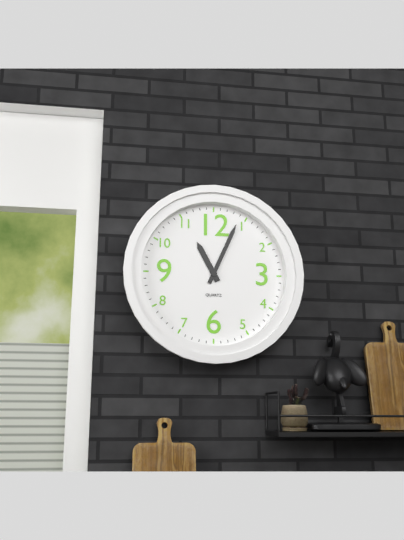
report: 11h04
